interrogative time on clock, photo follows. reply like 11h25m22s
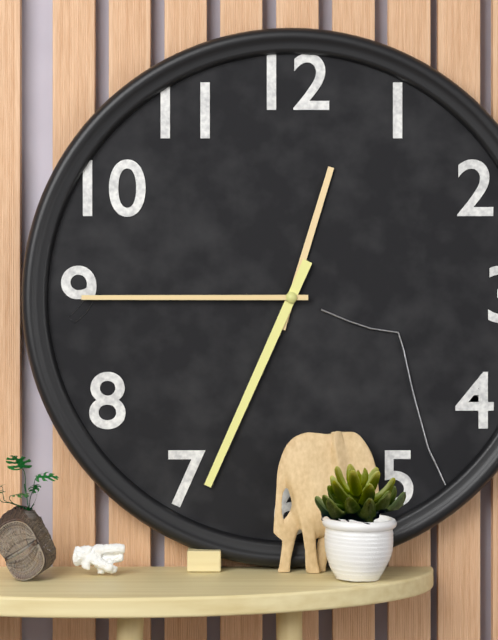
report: 12h34m45s
